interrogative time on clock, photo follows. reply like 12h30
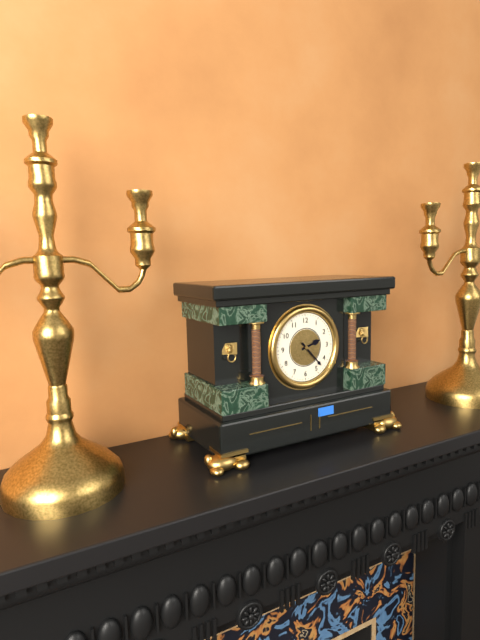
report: 2h23
